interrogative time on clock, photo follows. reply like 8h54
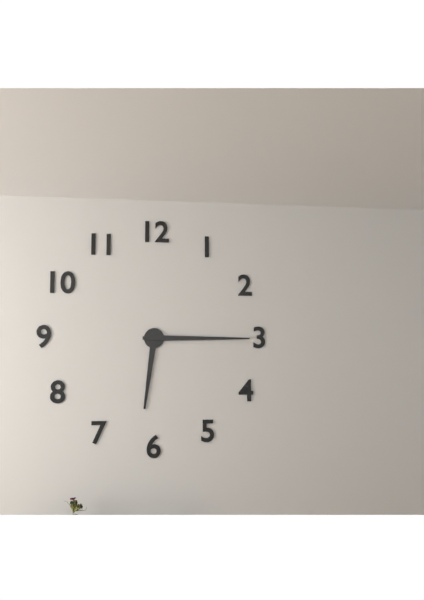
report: 6h15
